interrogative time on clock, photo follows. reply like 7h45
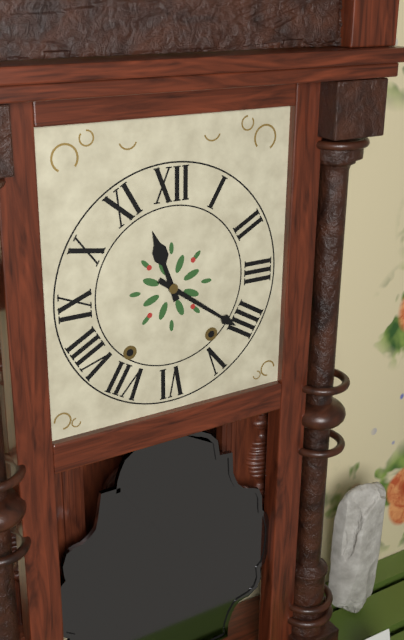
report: 11h21
